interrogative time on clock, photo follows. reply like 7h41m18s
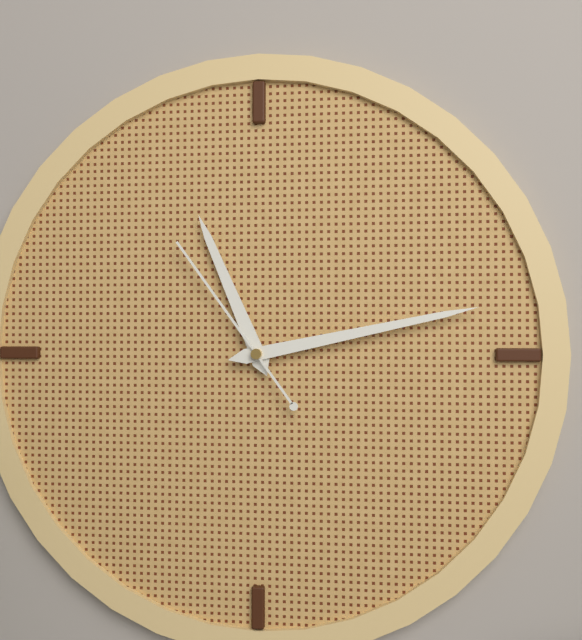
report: 11h13m54s
